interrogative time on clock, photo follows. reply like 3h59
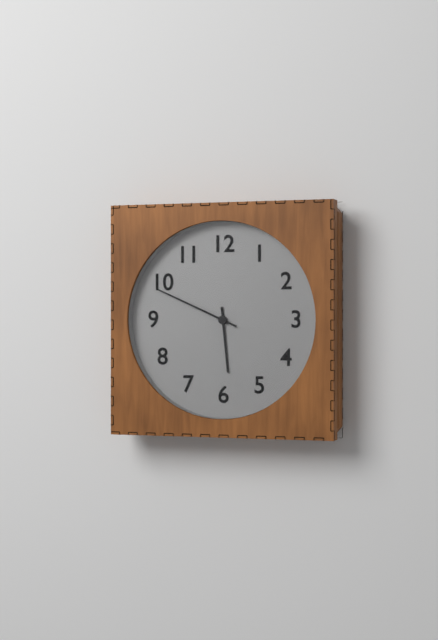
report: 5h49
